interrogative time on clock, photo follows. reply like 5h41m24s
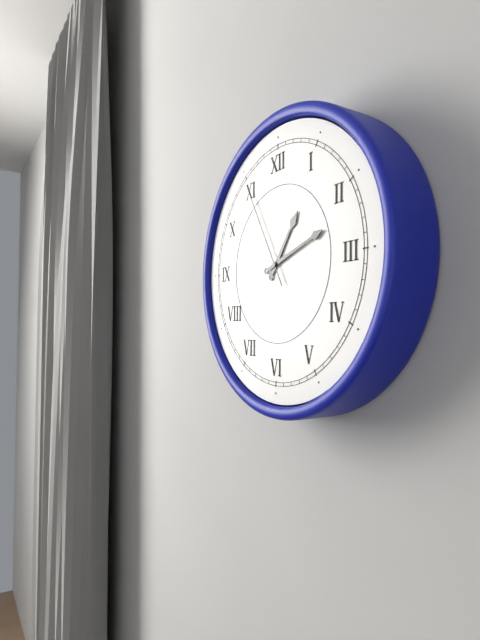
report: 1h12m55s
